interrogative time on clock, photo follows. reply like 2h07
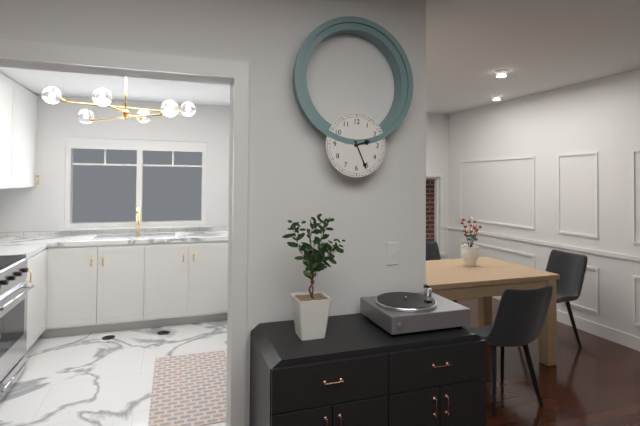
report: 2h26
